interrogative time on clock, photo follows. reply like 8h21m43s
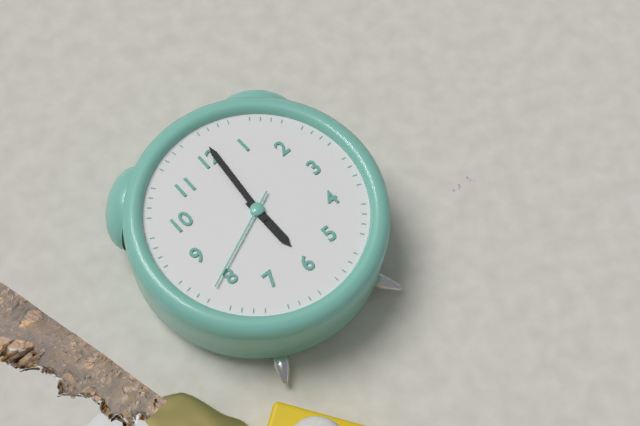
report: 6h01m41s
